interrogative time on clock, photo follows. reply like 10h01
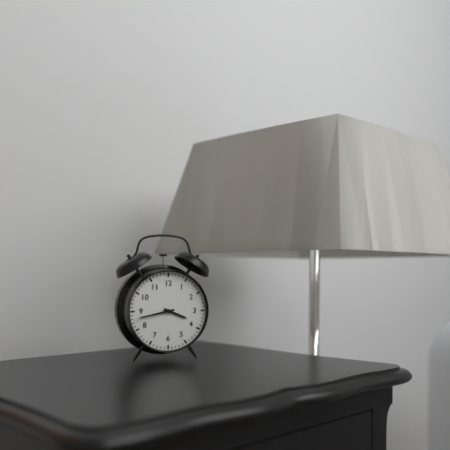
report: 3h43
